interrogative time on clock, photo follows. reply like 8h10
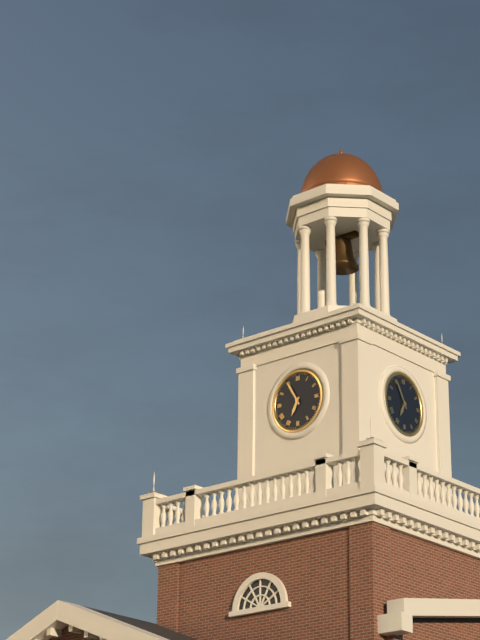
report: 6h55
